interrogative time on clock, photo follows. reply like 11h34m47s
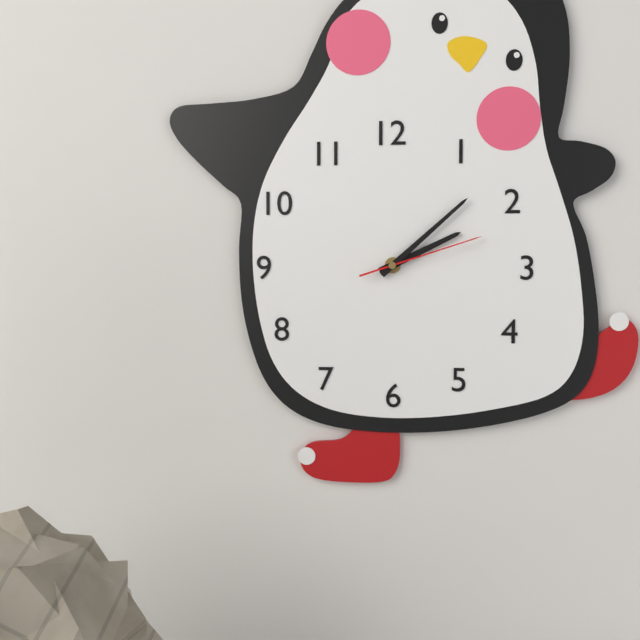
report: 2h08m12s
